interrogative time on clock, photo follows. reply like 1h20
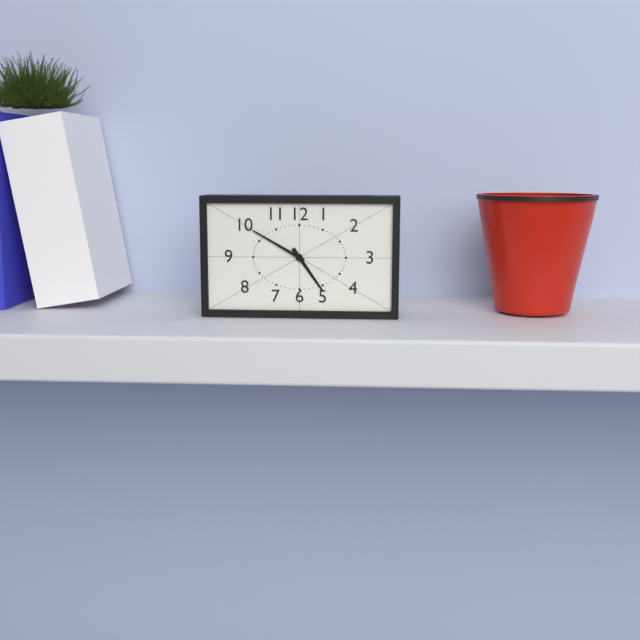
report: 4h50
